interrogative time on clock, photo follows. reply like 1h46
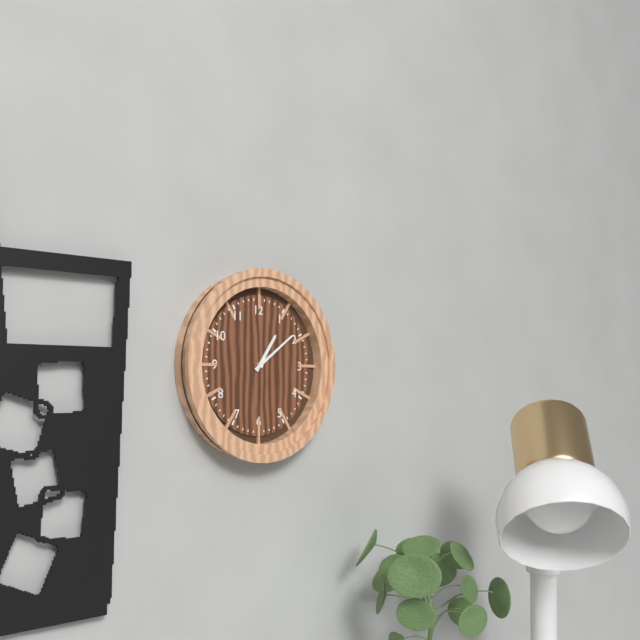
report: 1h09
